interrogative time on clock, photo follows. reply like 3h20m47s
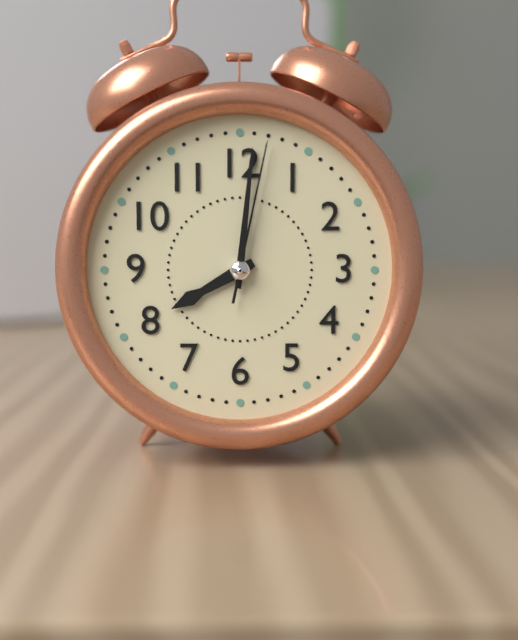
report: 8h01m02s
